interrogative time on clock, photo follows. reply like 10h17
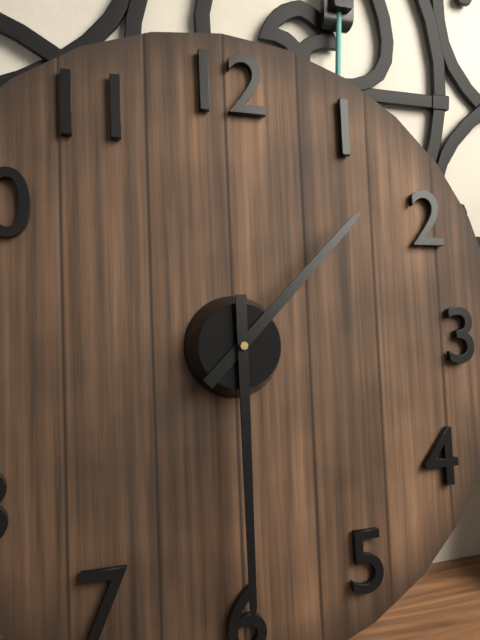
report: 1h30
